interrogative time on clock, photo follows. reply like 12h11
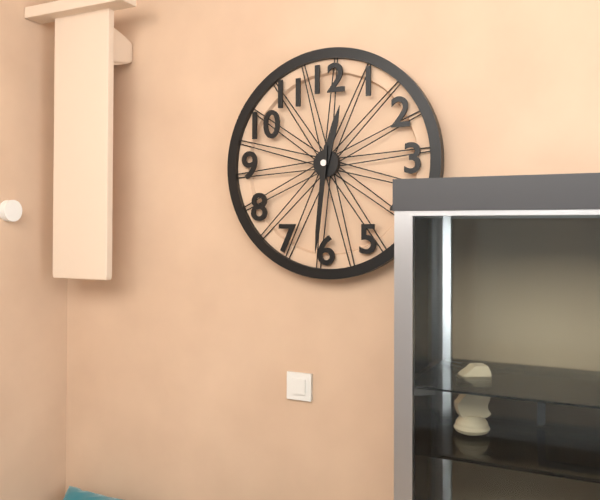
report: 12h31
